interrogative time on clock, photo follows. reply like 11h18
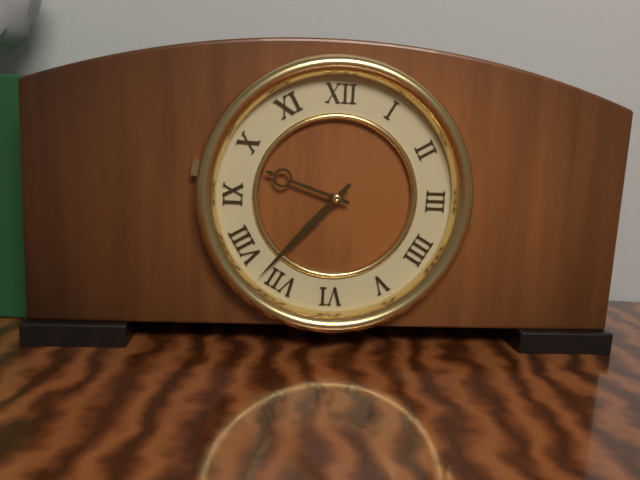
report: 9h37
